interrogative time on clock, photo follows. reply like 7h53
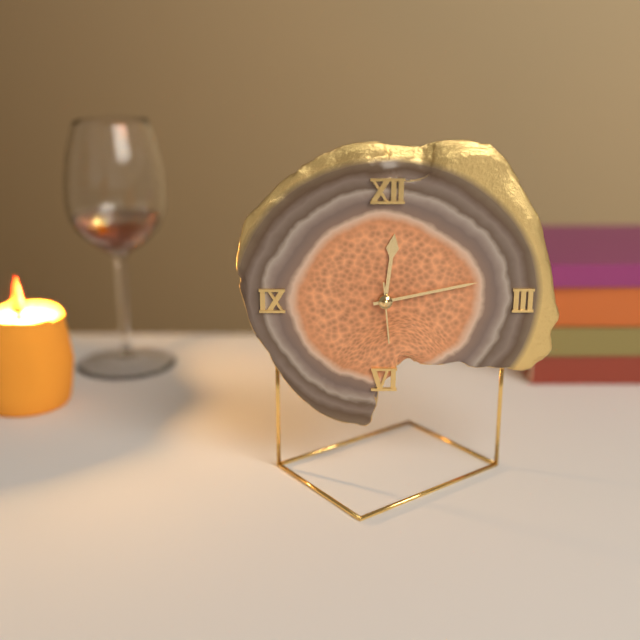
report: 12h13
